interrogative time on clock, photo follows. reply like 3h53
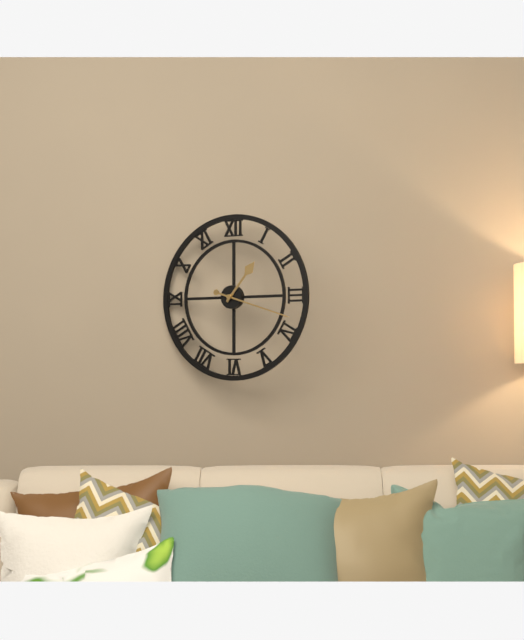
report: 1h18
